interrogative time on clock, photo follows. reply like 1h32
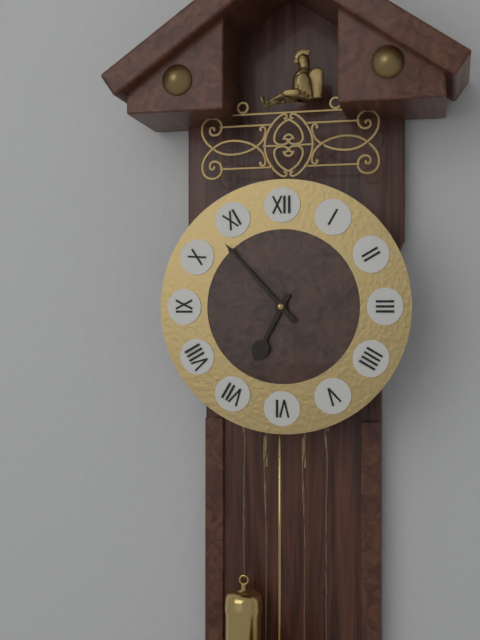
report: 6h53
